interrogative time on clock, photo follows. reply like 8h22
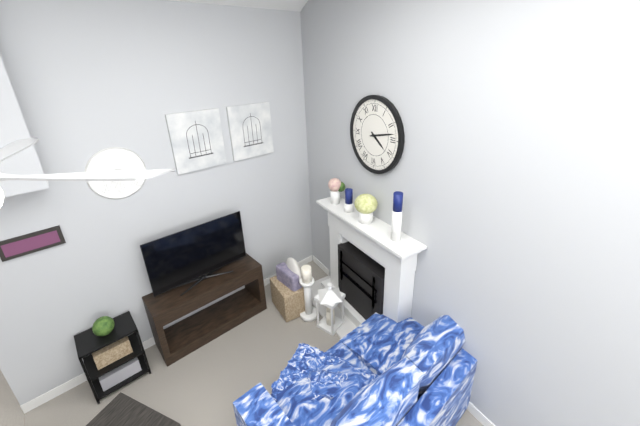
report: 4h13
